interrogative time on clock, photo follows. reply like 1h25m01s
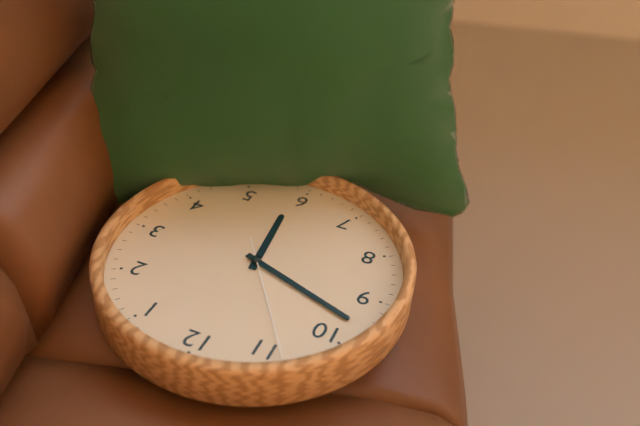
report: 5h48m54s
